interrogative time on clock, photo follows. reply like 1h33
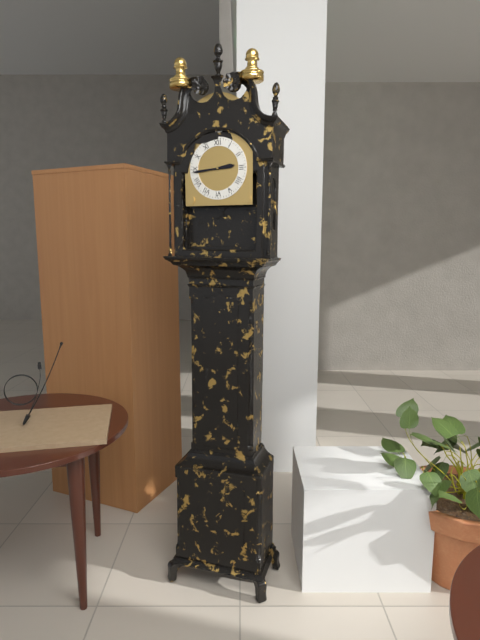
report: 2h44
